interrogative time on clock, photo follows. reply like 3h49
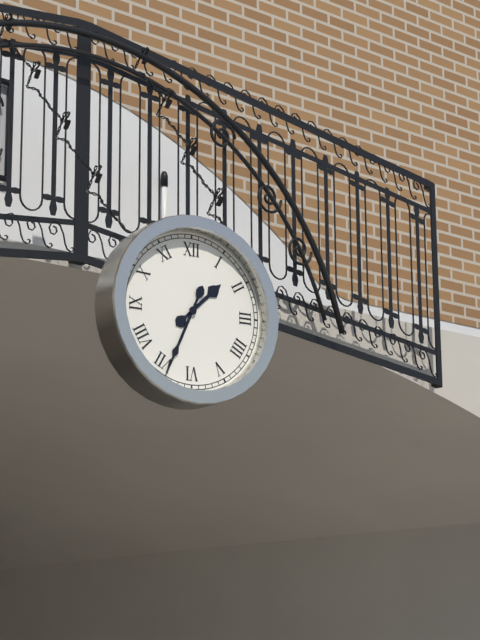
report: 1h34
